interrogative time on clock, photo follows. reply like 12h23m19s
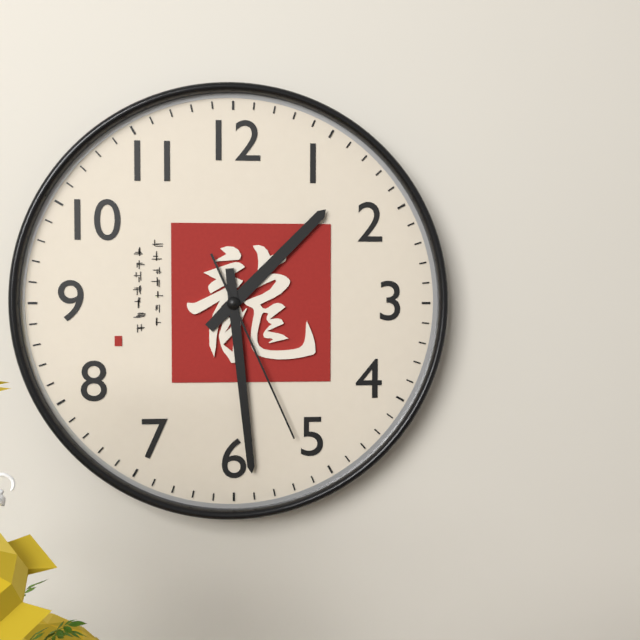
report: 1h29m26s
